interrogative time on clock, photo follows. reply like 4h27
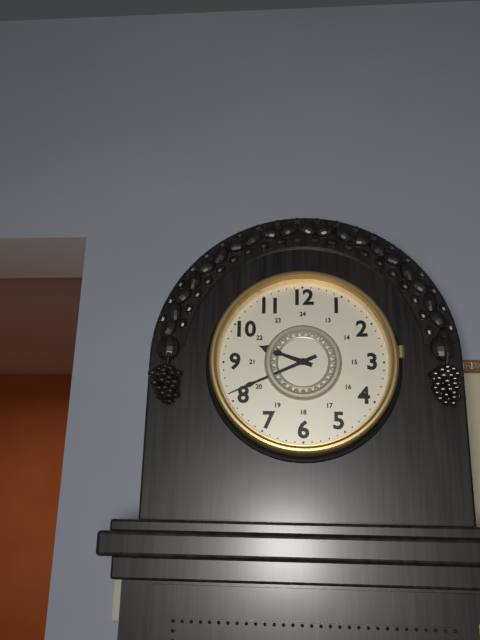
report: 9h41
